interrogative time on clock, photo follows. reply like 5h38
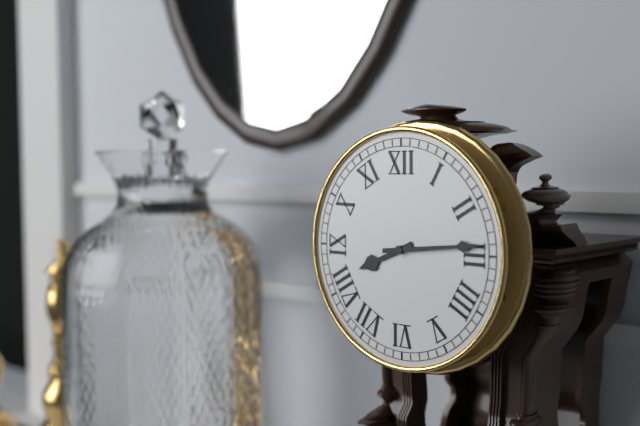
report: 8h14
